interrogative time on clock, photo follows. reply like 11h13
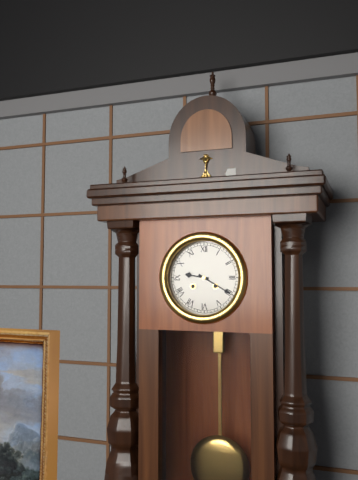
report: 9h20
